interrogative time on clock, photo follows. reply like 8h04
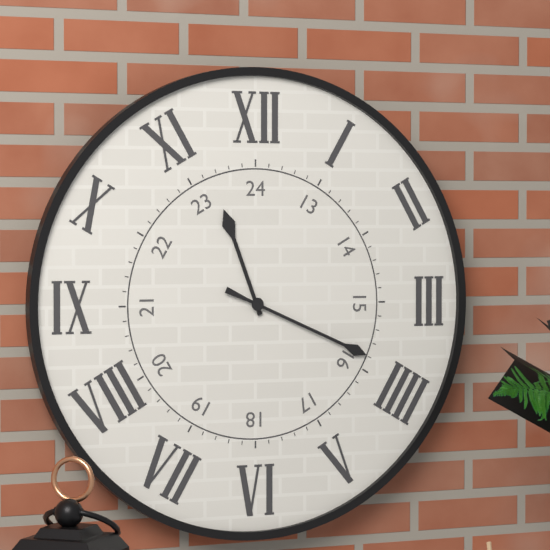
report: 11h19
